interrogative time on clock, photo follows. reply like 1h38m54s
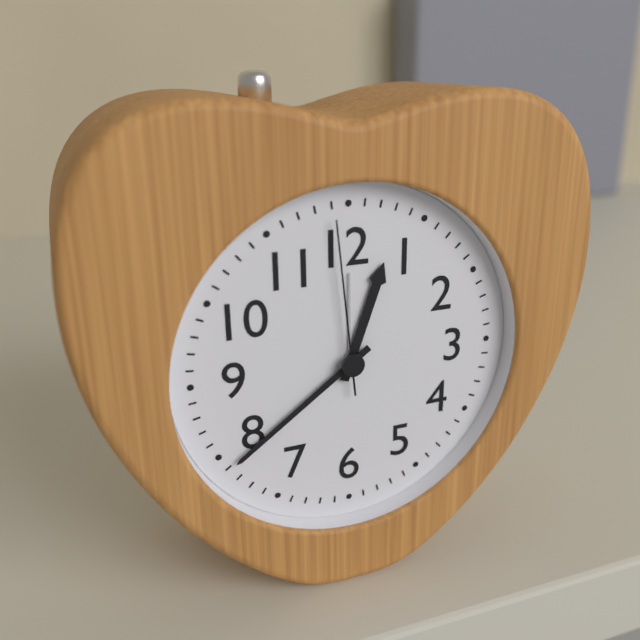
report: 12h39m59s
